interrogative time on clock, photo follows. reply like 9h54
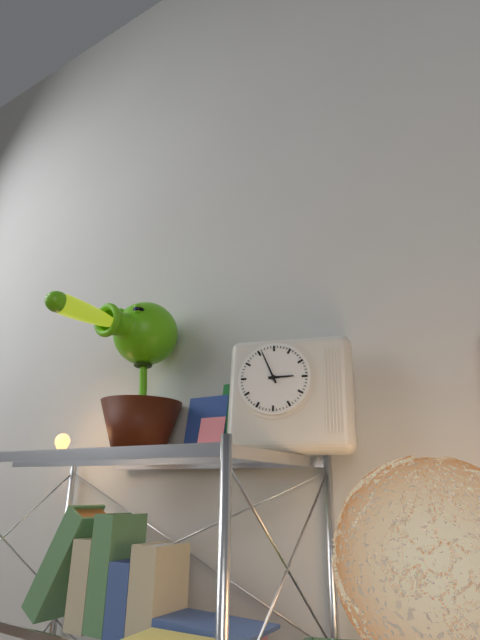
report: 2h56
